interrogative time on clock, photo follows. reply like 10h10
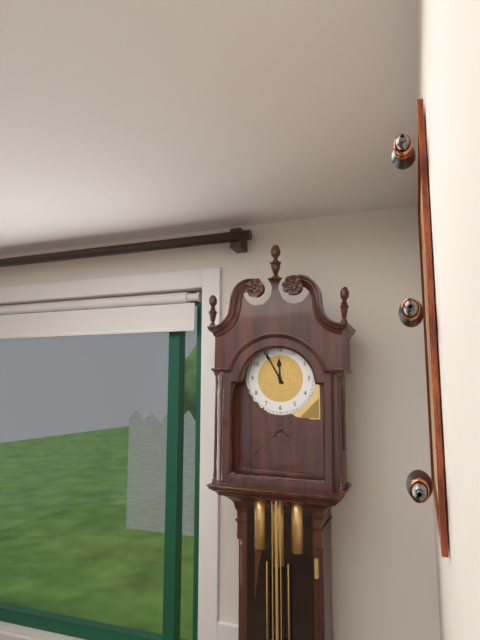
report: 11h55
